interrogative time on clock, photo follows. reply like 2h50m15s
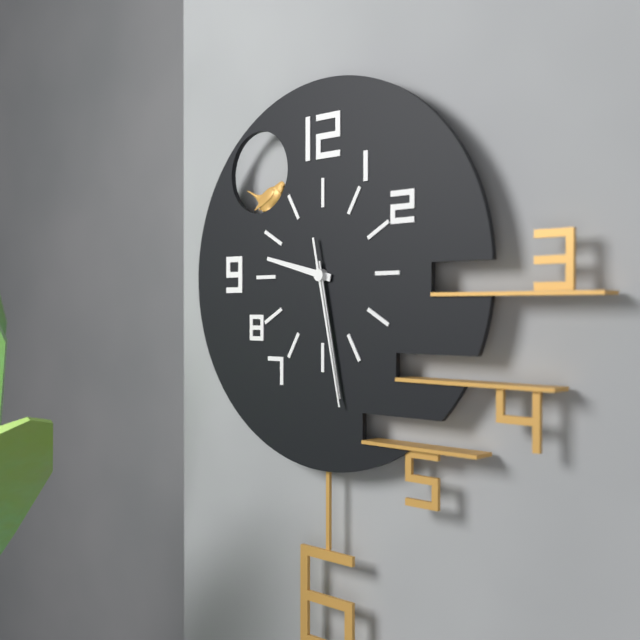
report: 9h28m28s
